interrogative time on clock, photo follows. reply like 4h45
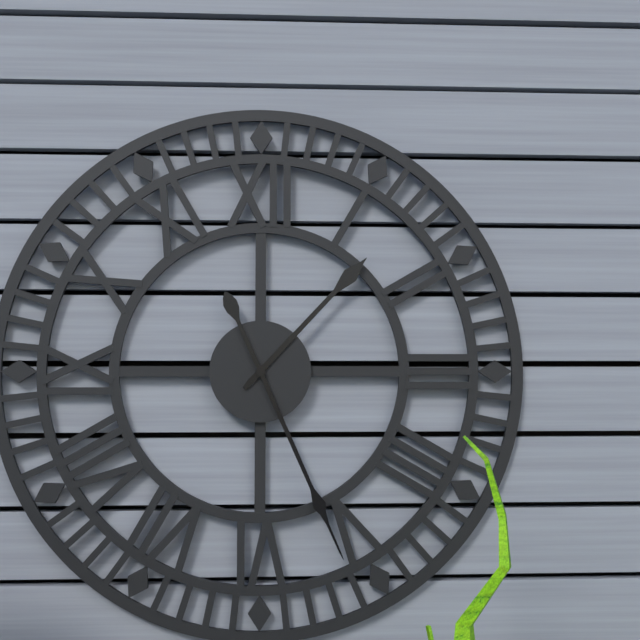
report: 1h26
